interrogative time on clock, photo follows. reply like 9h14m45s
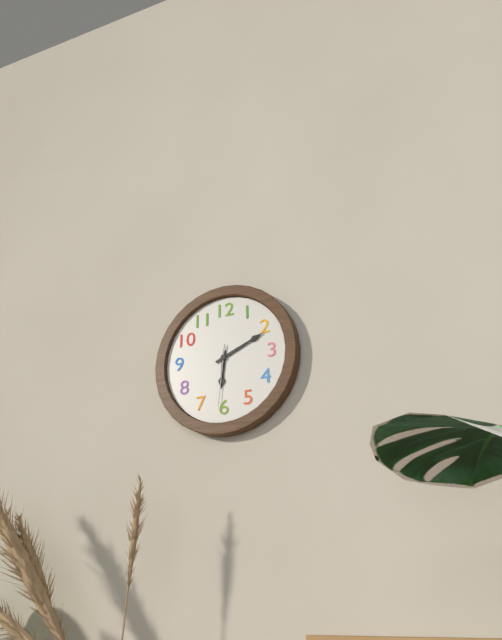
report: 6h11m31s
